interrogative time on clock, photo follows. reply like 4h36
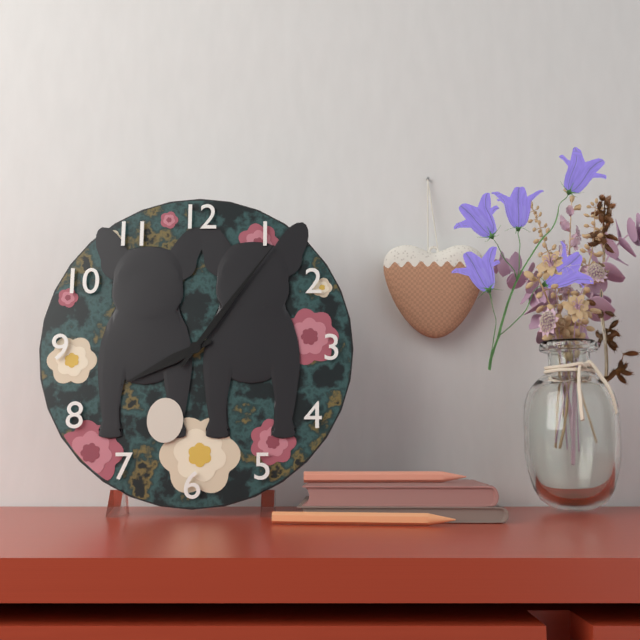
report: 8h06
